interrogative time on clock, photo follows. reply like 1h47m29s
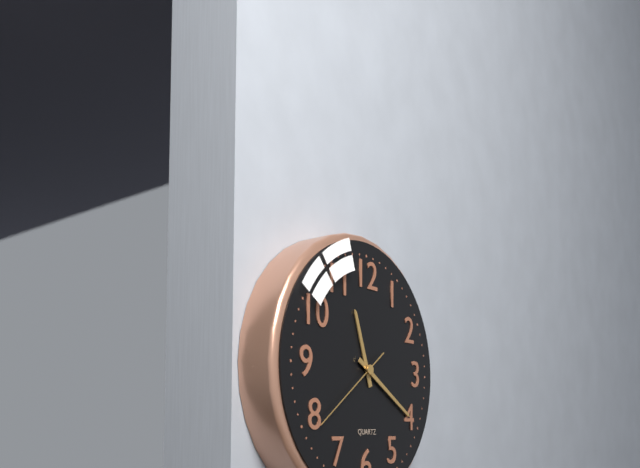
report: 11h20m39s
